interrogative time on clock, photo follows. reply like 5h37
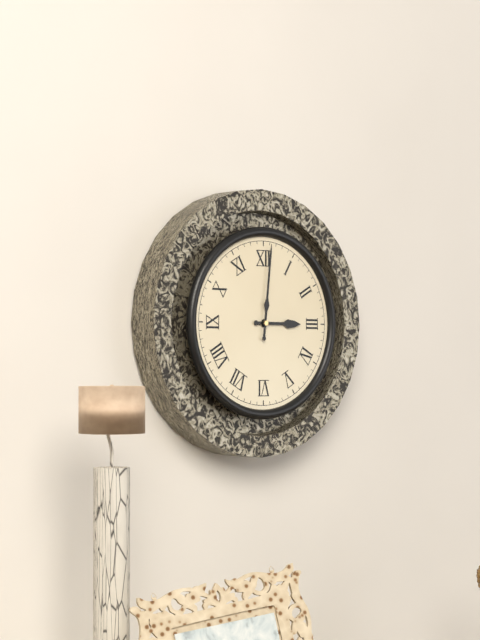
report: 3h01
